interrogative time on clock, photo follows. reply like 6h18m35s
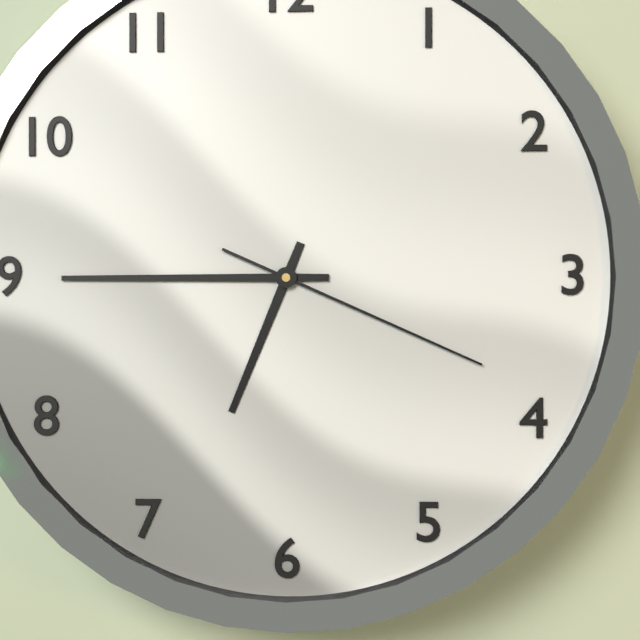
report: 6h45m19s
